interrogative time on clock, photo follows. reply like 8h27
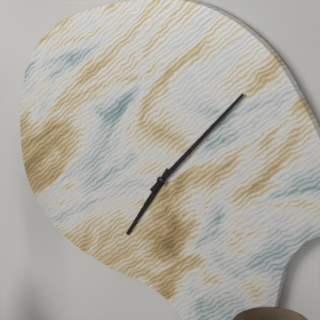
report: 7h07
